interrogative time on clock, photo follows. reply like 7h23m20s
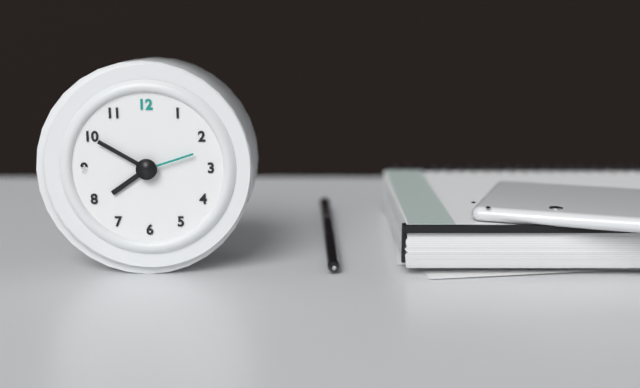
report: 7h50m12s
